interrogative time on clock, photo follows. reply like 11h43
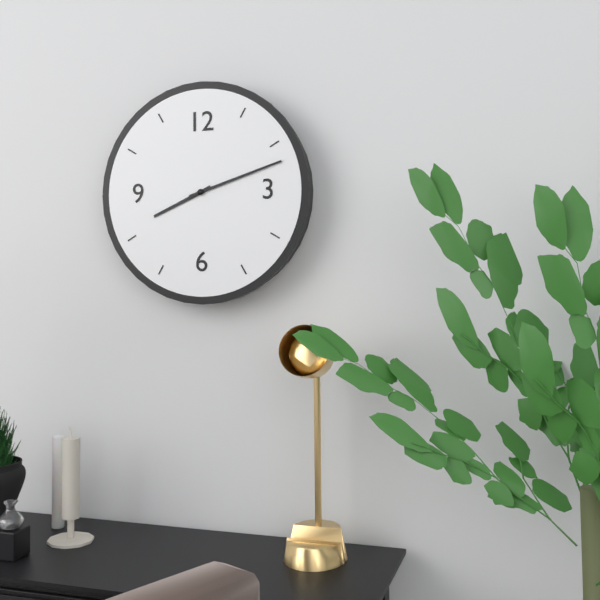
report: 8h12
